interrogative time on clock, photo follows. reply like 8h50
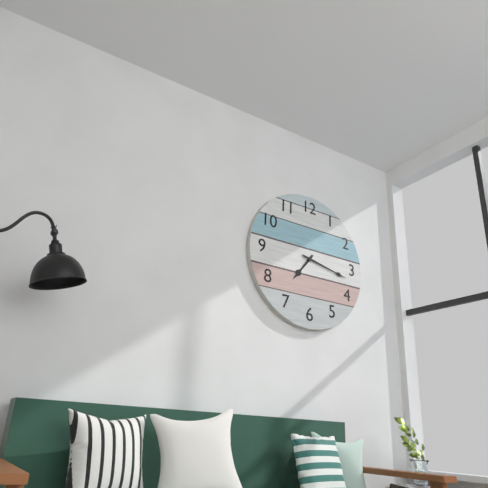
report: 7h17
